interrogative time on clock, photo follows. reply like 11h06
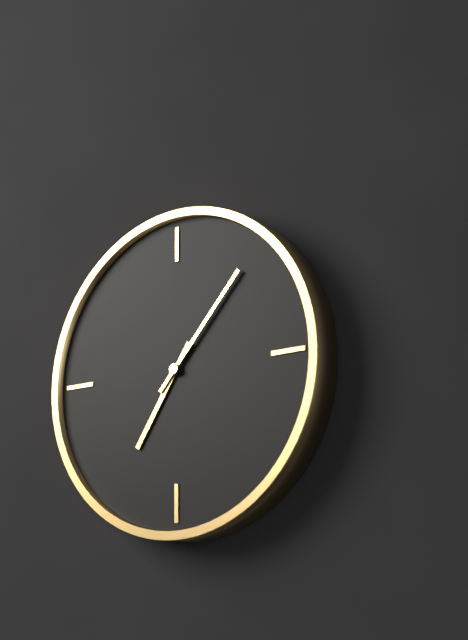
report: 7h07
